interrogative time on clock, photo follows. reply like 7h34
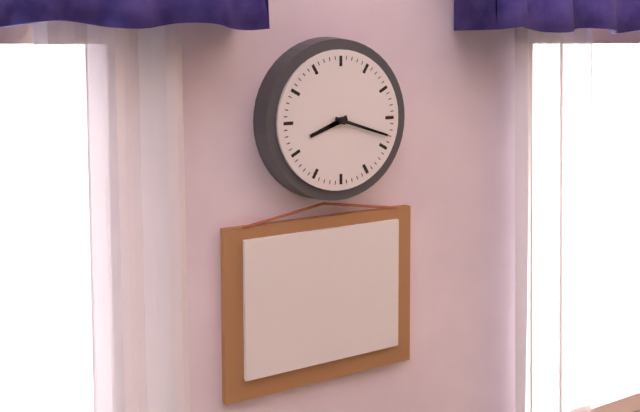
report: 8h18
